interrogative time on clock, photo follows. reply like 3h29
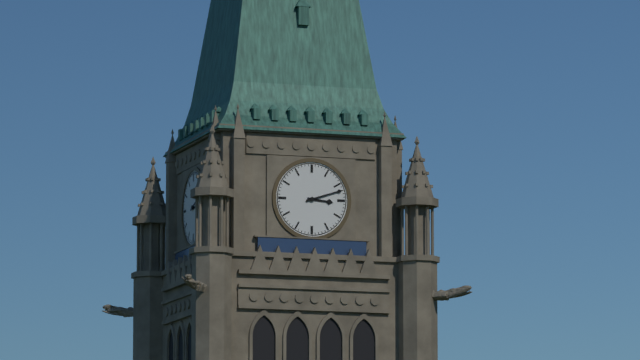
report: 3h12
